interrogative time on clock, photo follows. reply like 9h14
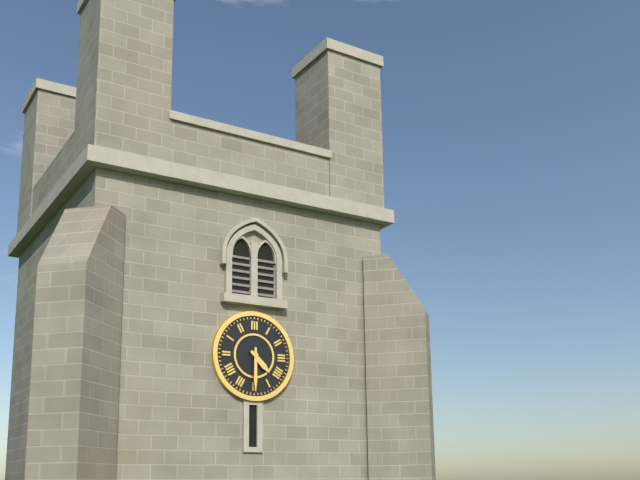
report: 4h30
